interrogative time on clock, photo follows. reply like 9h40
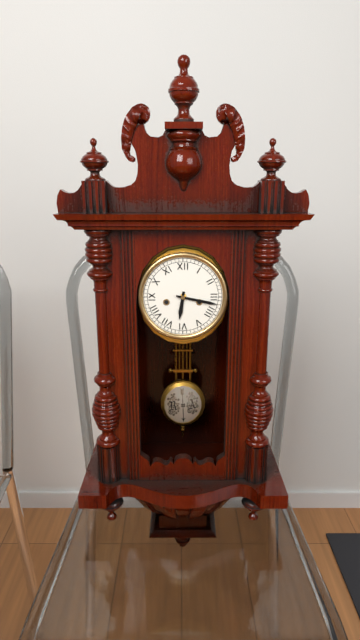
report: 6h17
